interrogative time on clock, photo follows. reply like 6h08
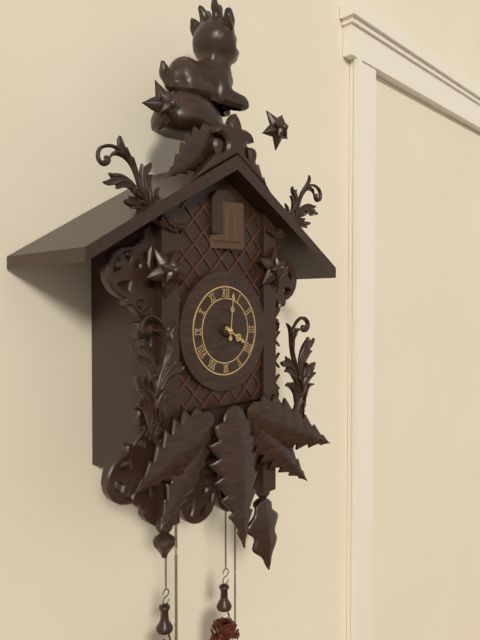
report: 4h01
